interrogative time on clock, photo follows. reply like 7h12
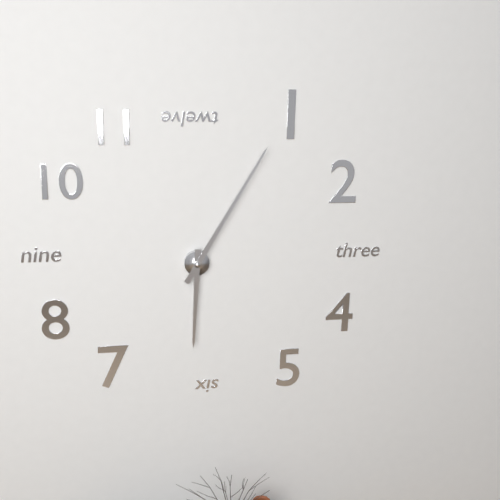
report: 6h05
